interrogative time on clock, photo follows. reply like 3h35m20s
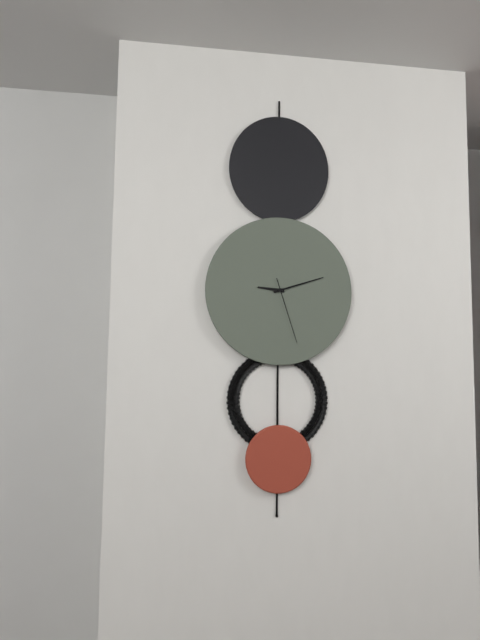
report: 9h12m27s
